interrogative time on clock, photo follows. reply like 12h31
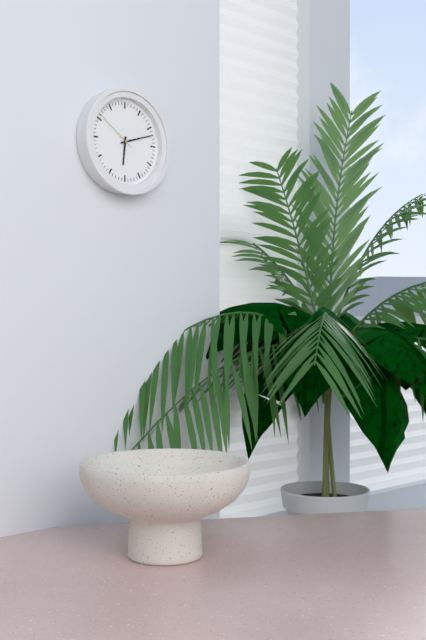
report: 6h12
